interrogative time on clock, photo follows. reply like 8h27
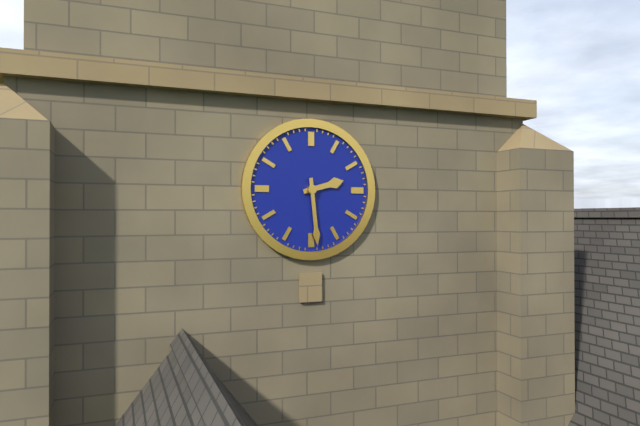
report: 2h29
